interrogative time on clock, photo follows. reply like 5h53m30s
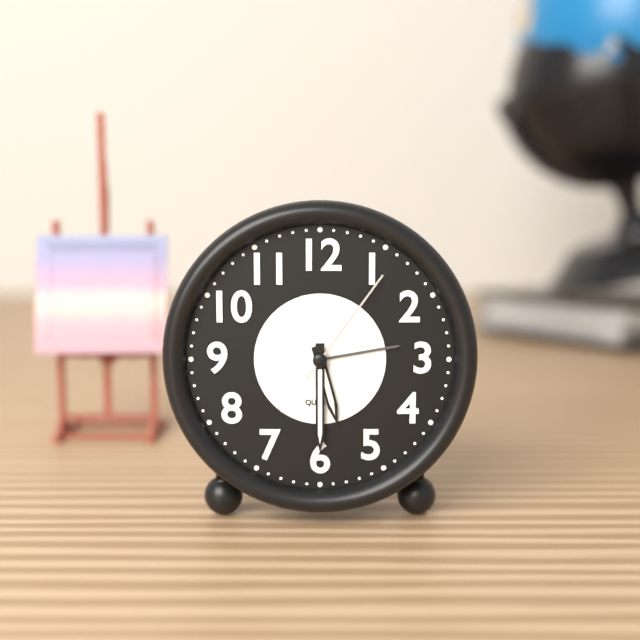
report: 5h30m06s
